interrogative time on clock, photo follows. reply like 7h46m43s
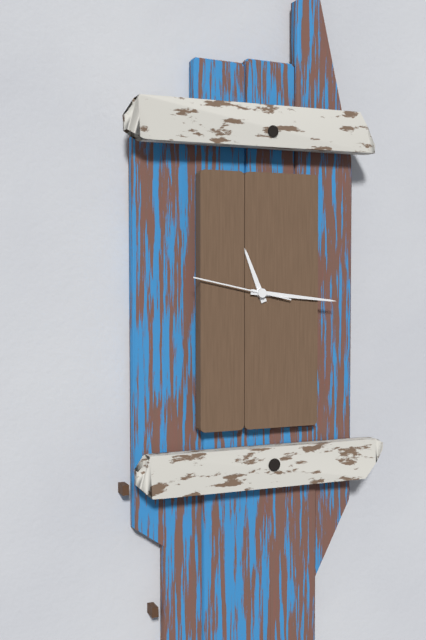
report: 11h16m47s
